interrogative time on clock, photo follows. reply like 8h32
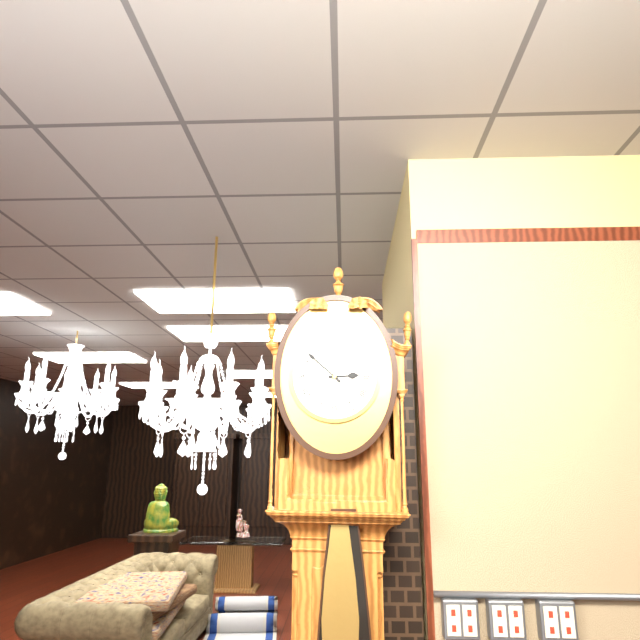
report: 2h52
